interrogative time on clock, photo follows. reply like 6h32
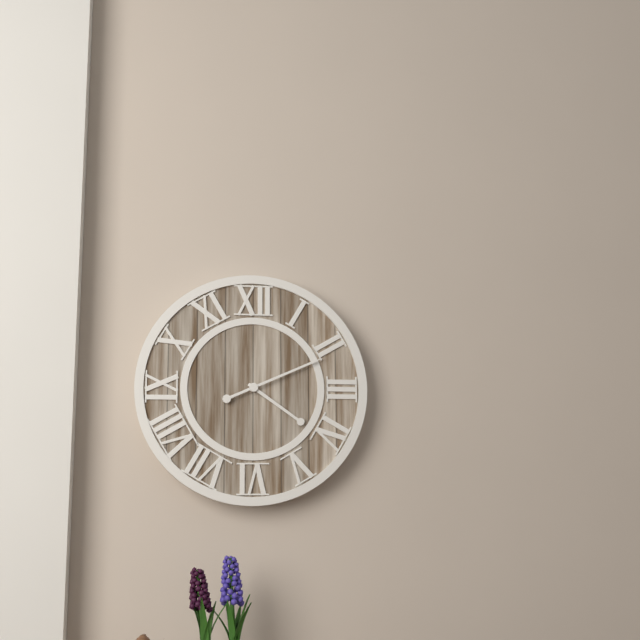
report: 4h11
